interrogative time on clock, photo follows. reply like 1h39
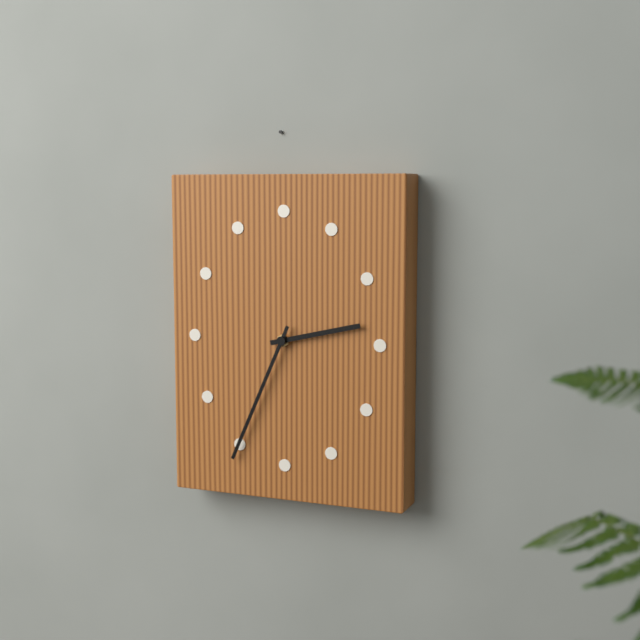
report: 2h34
